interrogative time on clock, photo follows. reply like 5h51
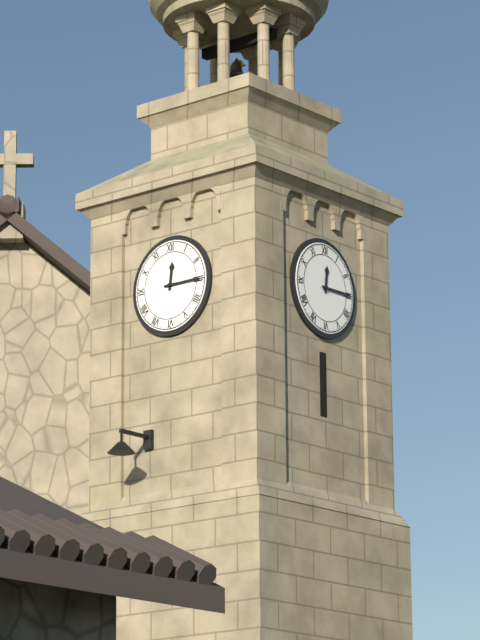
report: 12h15
